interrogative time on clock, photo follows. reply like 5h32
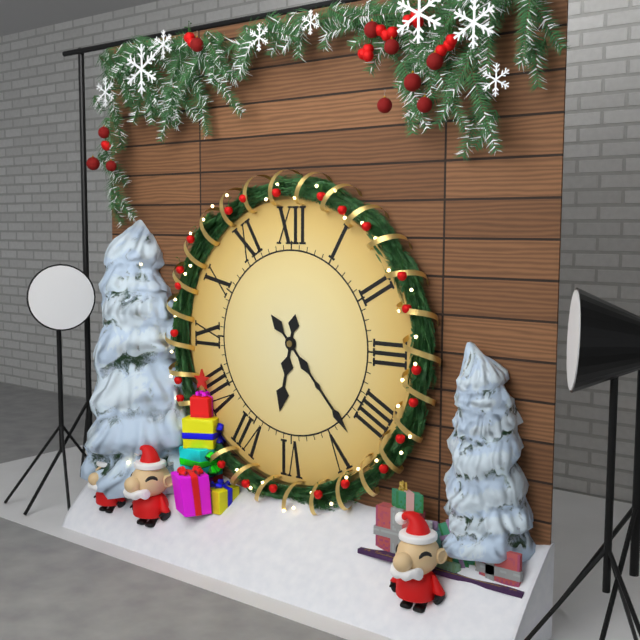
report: 6h23
